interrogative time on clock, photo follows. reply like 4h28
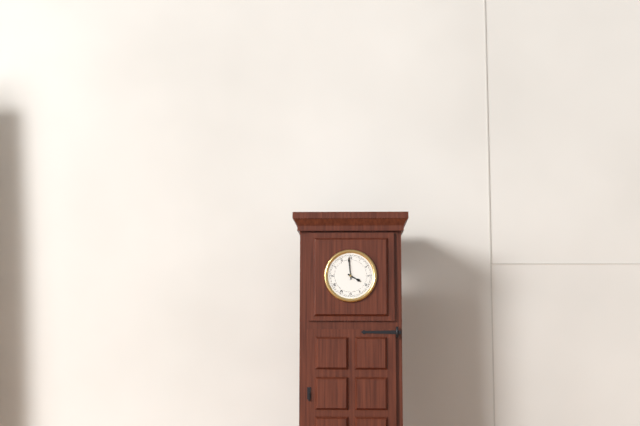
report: 3h59
